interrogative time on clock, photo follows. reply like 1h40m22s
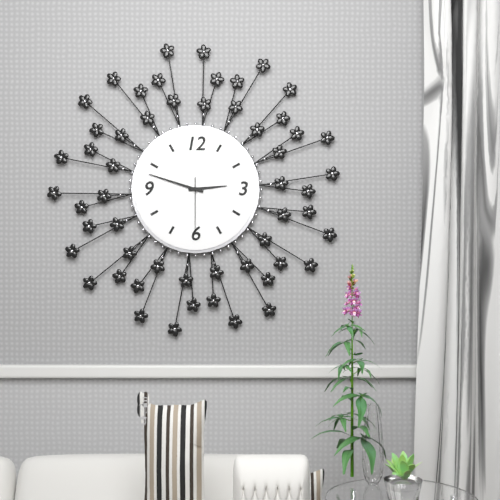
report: 2h48m30s
